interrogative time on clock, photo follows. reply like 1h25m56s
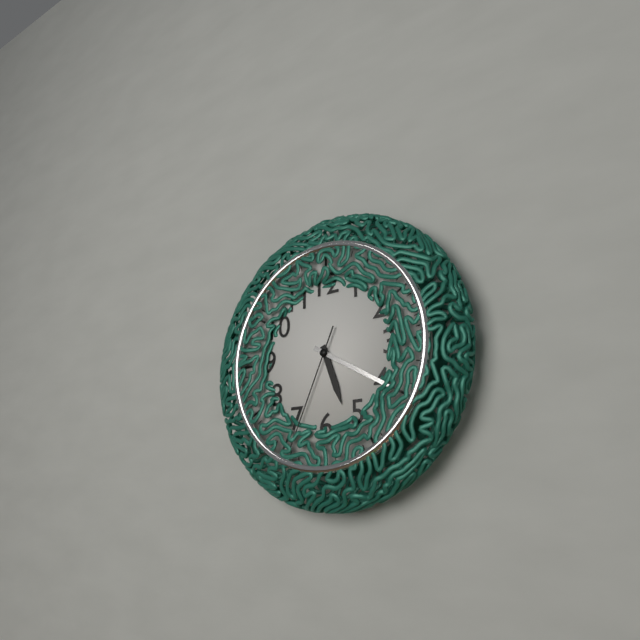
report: 5h20m34s
